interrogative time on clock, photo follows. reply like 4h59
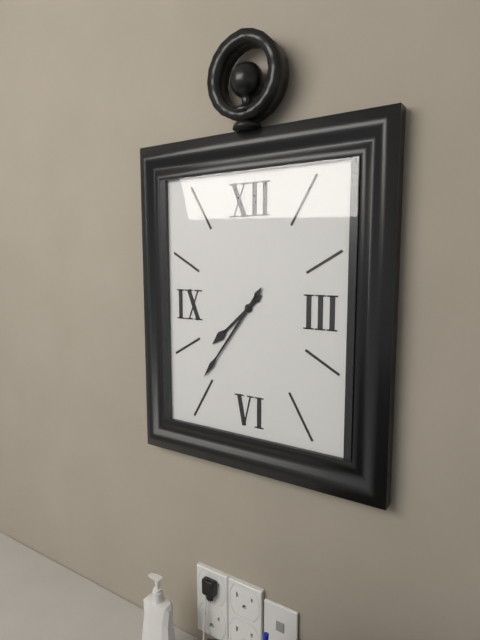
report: 7h36
